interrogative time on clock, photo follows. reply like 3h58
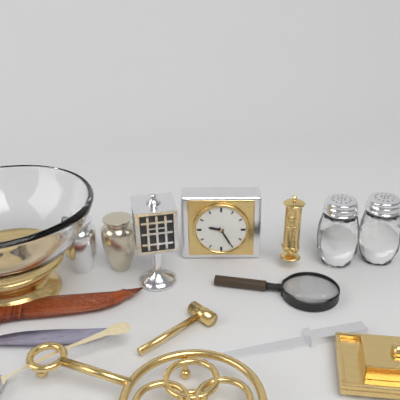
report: 9h25
